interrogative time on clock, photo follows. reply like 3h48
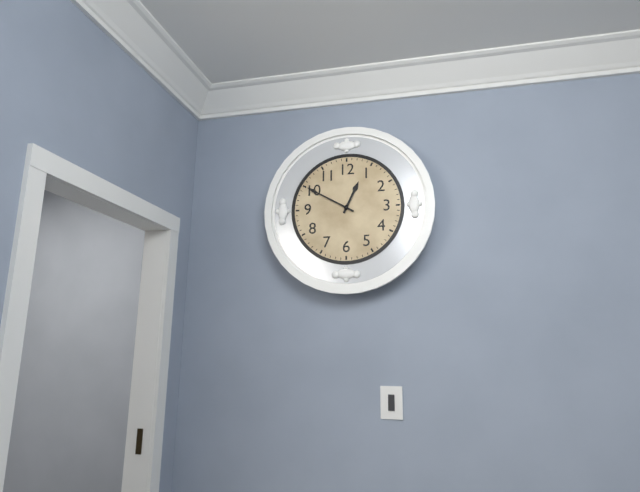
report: 12h50
